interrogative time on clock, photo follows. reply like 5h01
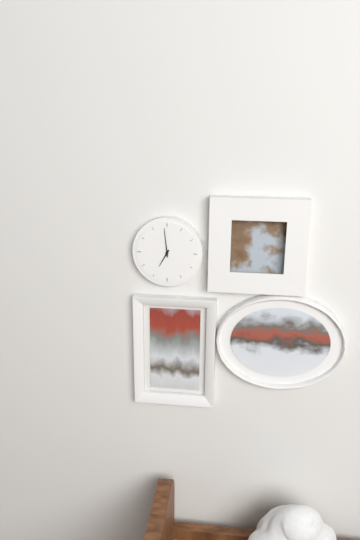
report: 6h59
